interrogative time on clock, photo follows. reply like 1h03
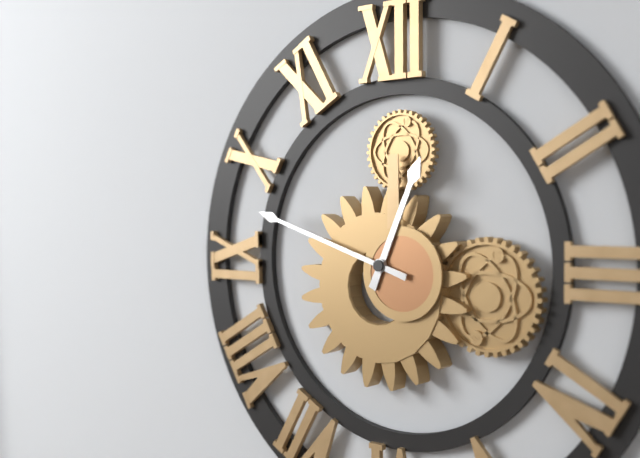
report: 12h48
